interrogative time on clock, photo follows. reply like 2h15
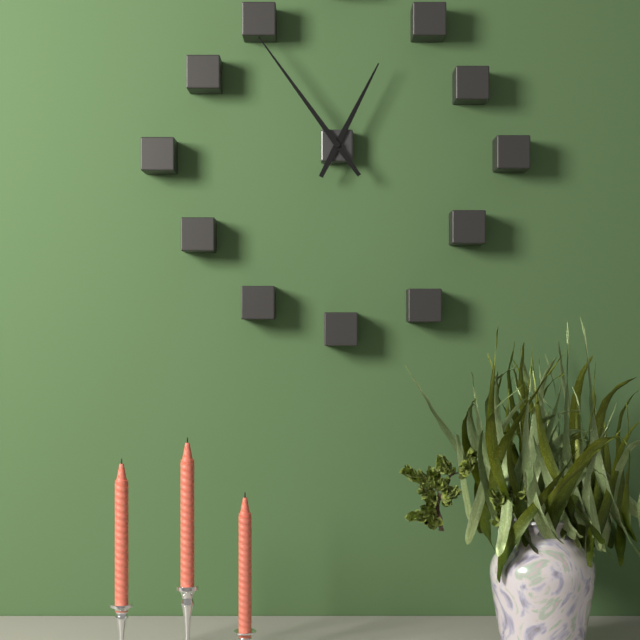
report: 12h54
